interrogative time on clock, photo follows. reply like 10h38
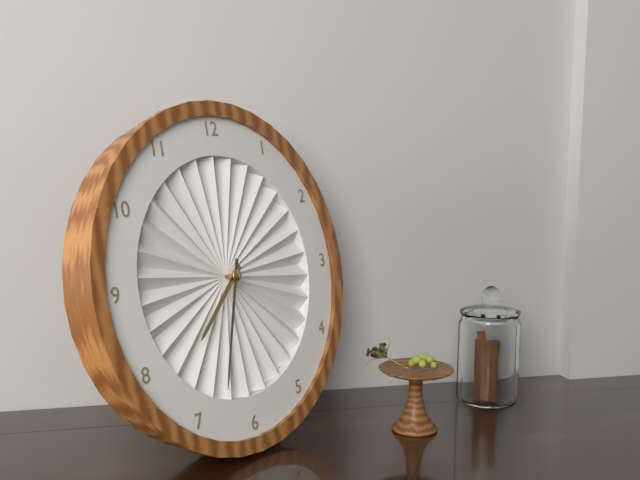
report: 7h33
